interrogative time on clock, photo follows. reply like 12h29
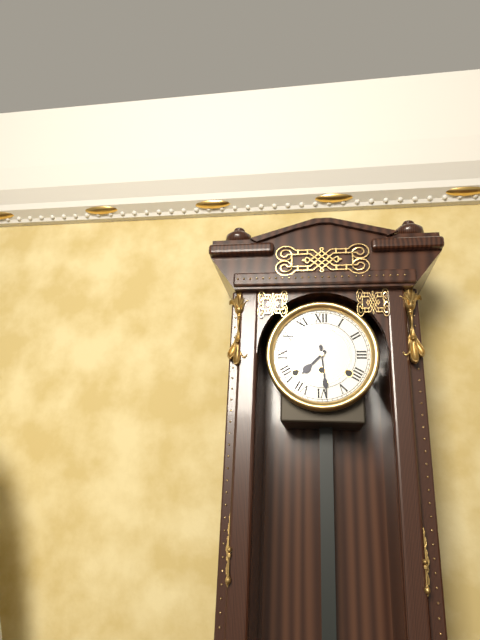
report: 7h29
